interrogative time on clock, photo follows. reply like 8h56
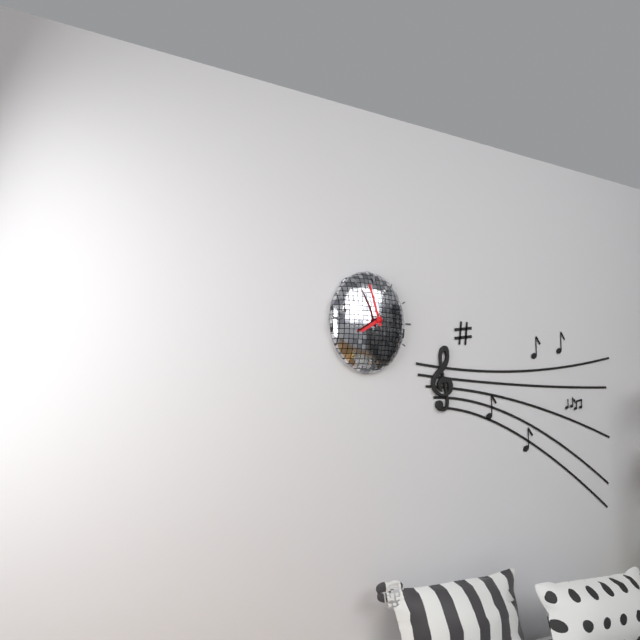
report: 7h57
